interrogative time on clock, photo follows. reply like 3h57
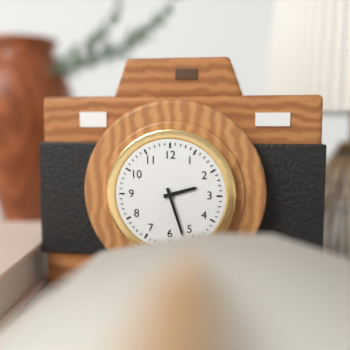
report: 2h27
